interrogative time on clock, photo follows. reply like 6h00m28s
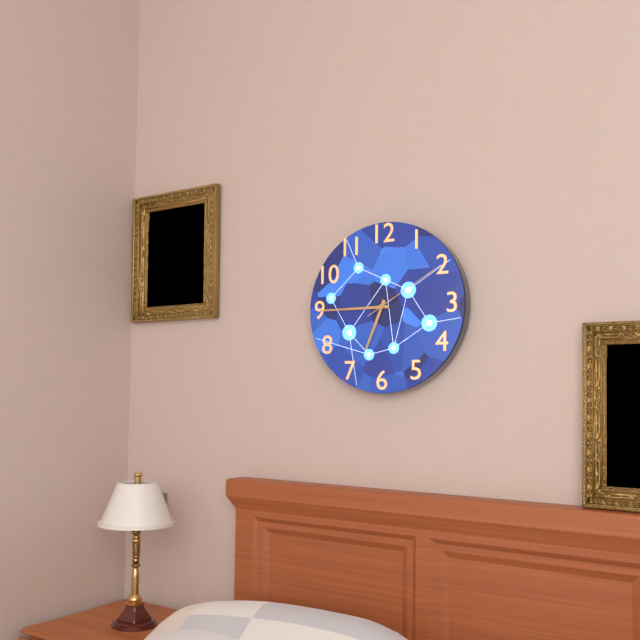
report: 6h45m10s
